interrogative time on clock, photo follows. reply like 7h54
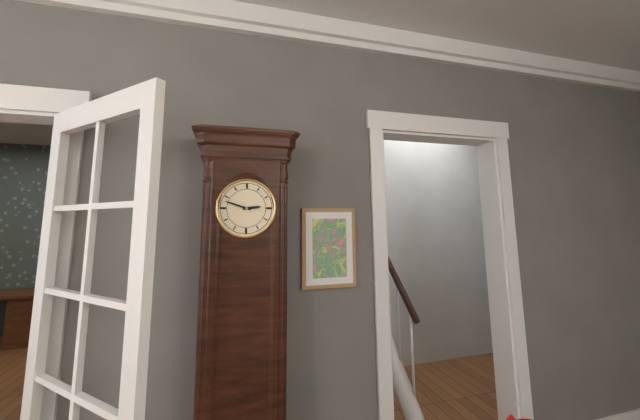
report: 2h48
